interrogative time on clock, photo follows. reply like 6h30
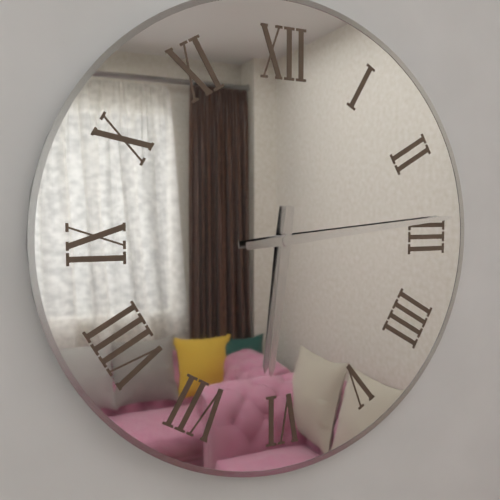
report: 6h14
